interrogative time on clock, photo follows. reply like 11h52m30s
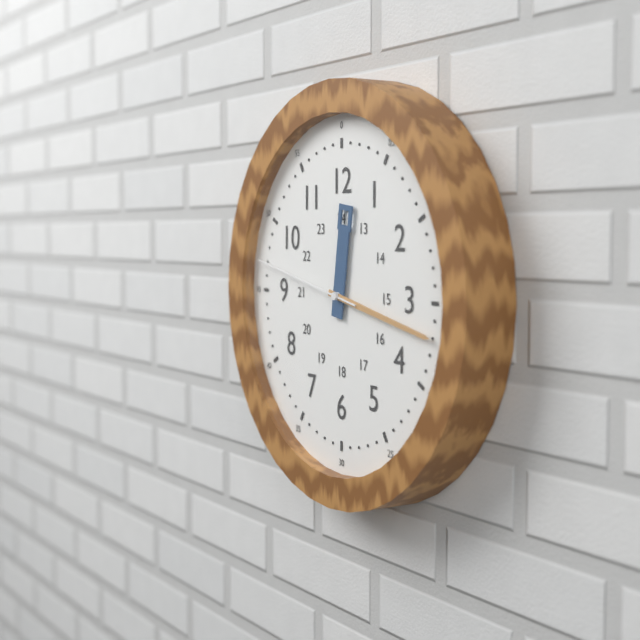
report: 12h17m47s
